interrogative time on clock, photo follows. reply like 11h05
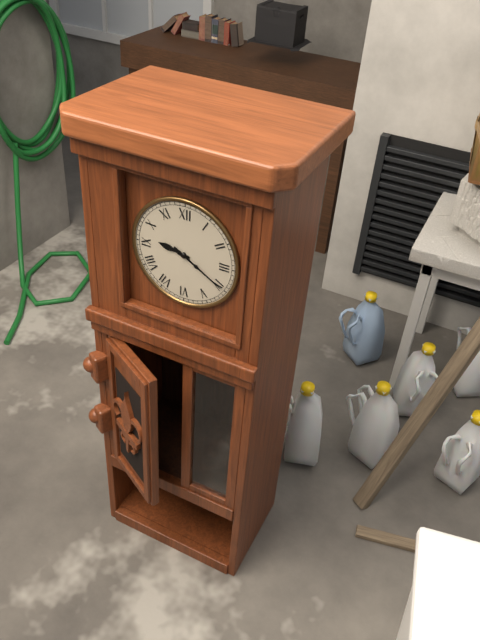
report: 9h20
